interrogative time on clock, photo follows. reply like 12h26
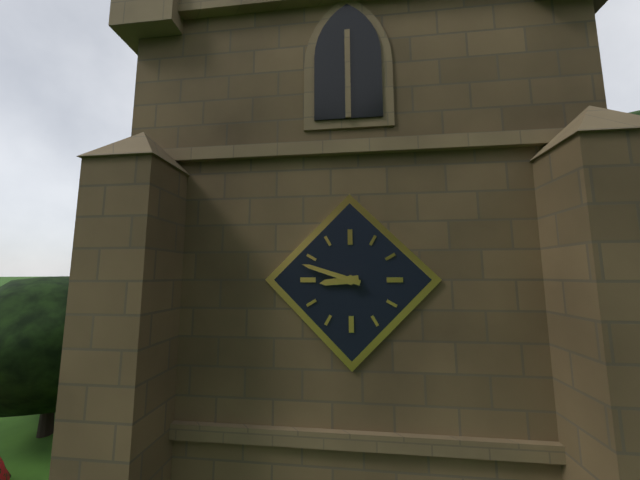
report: 8h48
